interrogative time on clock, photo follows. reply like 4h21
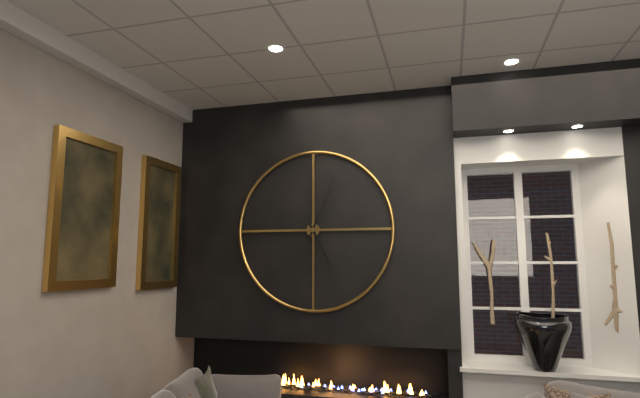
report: 5h04
